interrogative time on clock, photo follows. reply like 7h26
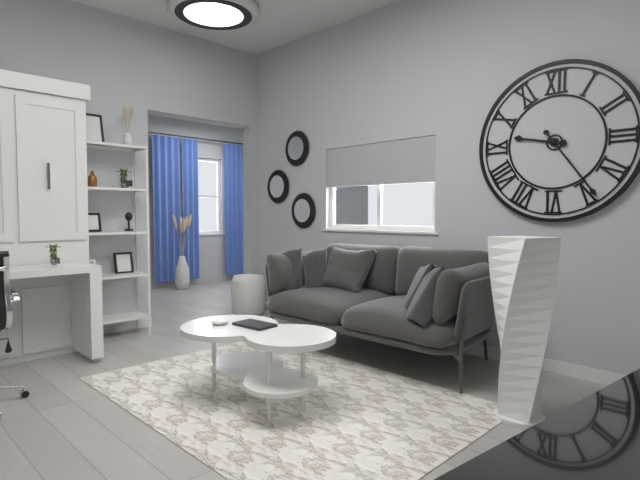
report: 9h24
